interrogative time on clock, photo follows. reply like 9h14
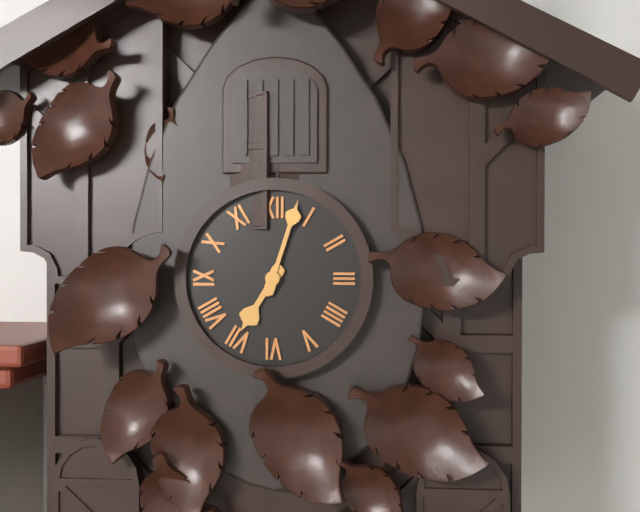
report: 7h03
